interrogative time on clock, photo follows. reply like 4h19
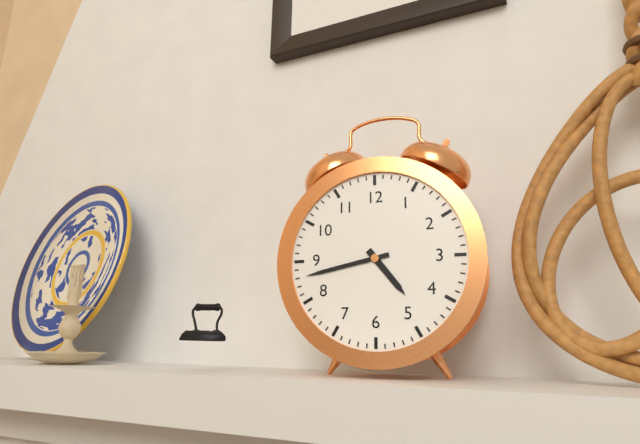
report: 4h43
